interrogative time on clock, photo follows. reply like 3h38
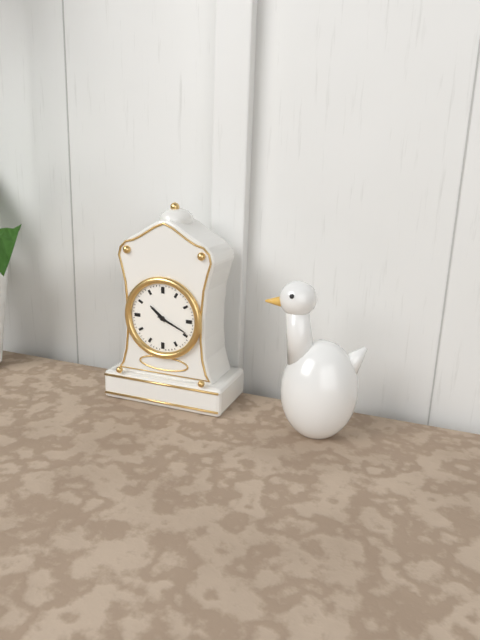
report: 10h19
